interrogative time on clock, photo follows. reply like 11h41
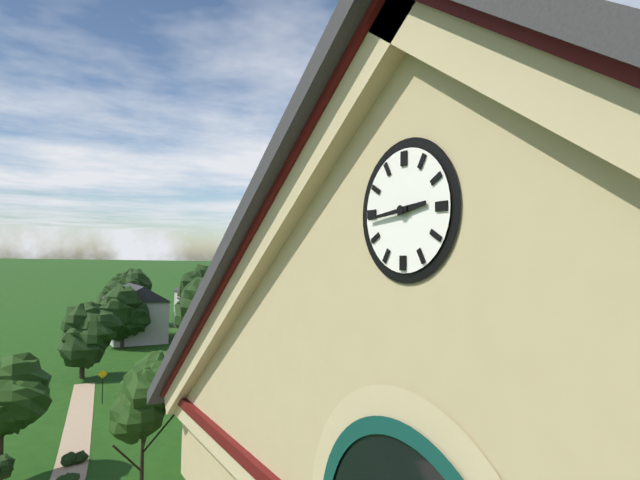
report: 2h44
